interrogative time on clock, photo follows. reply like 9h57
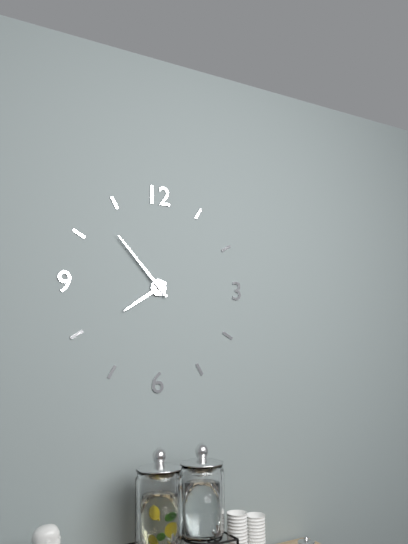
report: 7h53
